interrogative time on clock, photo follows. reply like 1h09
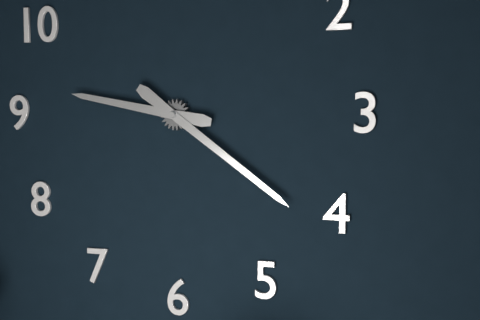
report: 9h21
